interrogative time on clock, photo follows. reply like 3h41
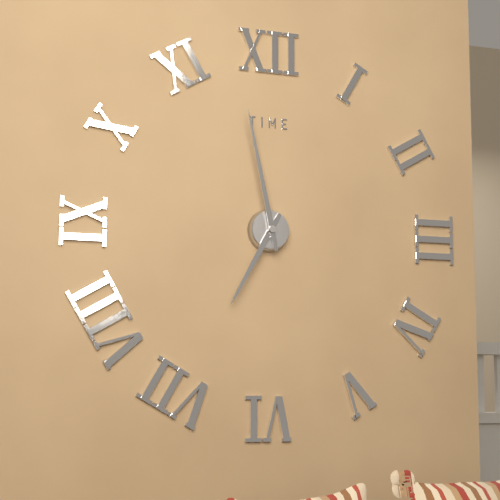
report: 6h58
